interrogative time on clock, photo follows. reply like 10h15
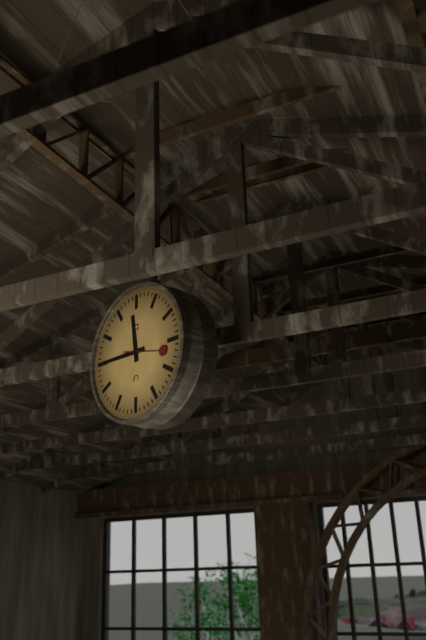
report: 11h45
